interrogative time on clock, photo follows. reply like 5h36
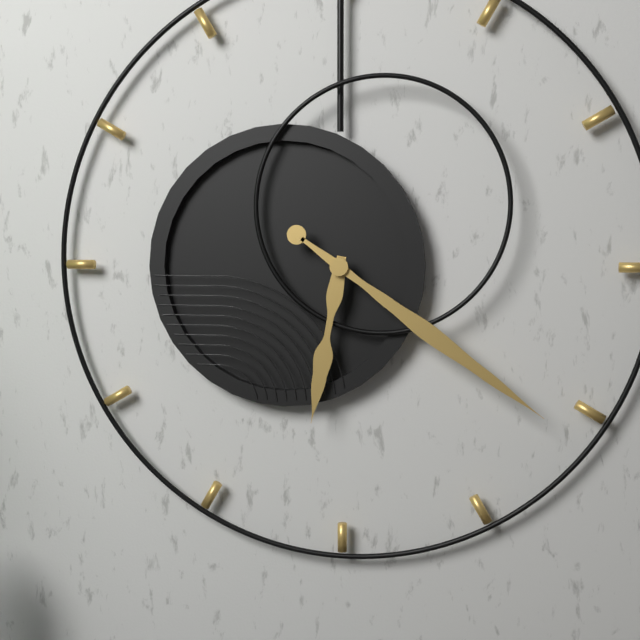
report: 6h21
